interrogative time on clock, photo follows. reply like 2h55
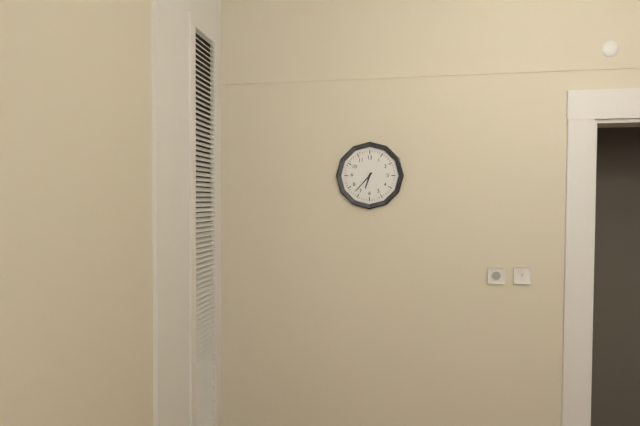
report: 6h37
